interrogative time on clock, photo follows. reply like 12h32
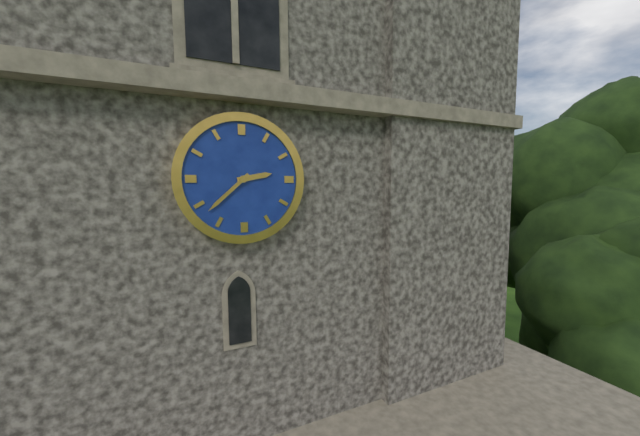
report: 2h38
